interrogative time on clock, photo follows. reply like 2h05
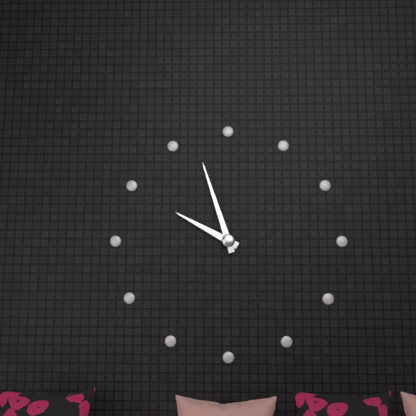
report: 9h57
